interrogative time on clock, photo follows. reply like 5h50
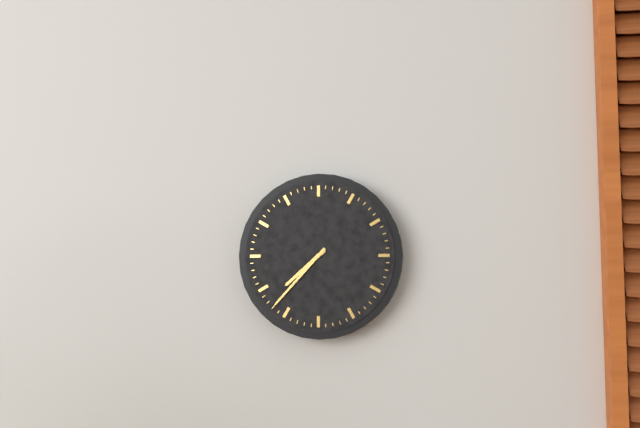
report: 7h37
